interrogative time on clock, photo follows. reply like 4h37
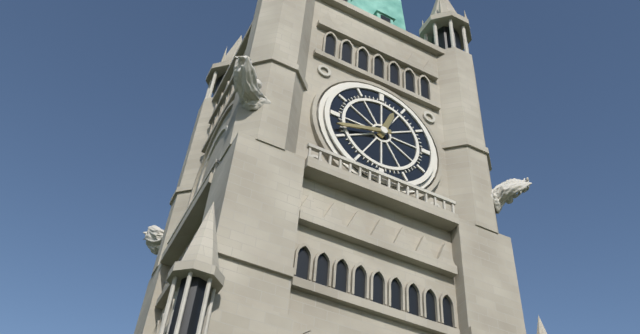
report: 12h42
